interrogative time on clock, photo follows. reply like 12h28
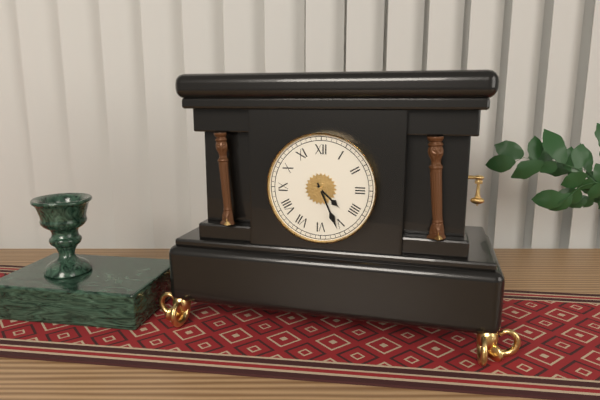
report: 4h26
